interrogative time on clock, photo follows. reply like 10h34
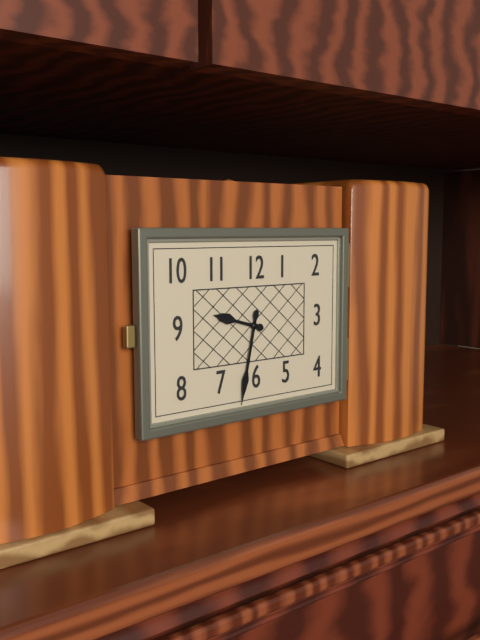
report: 9h32
